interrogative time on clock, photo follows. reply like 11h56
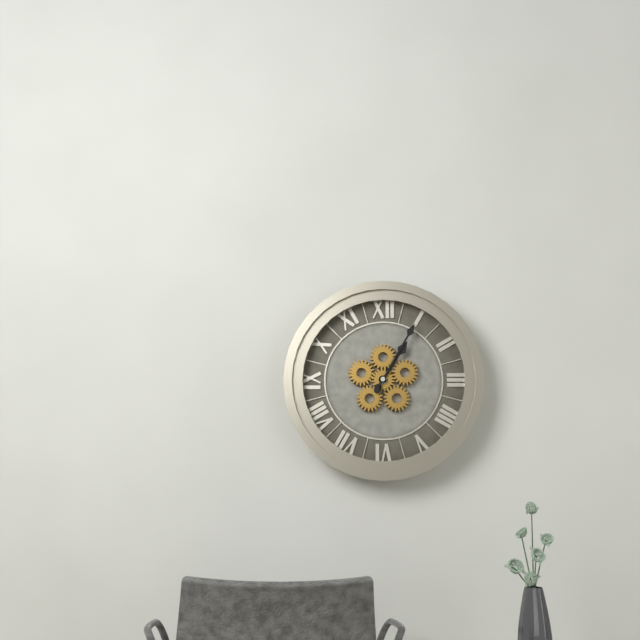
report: 1h05
